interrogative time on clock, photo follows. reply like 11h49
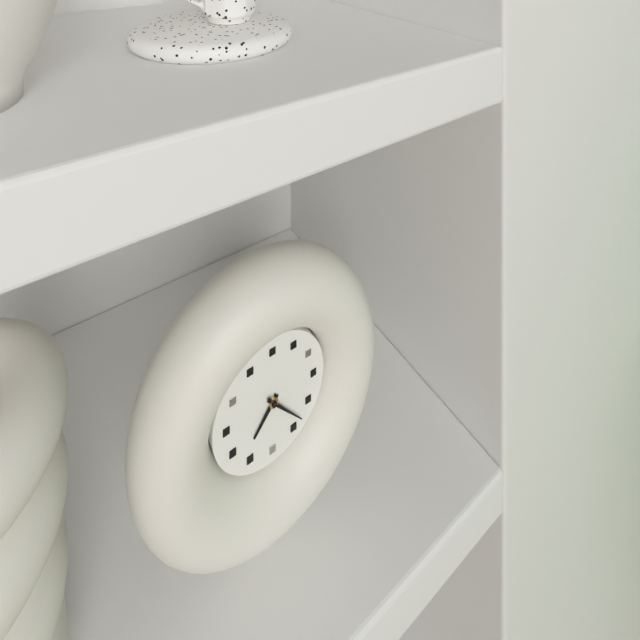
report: 7h23
